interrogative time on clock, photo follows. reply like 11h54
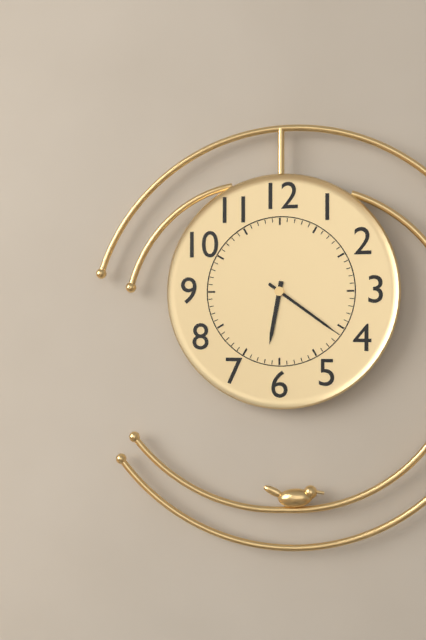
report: 6h21
